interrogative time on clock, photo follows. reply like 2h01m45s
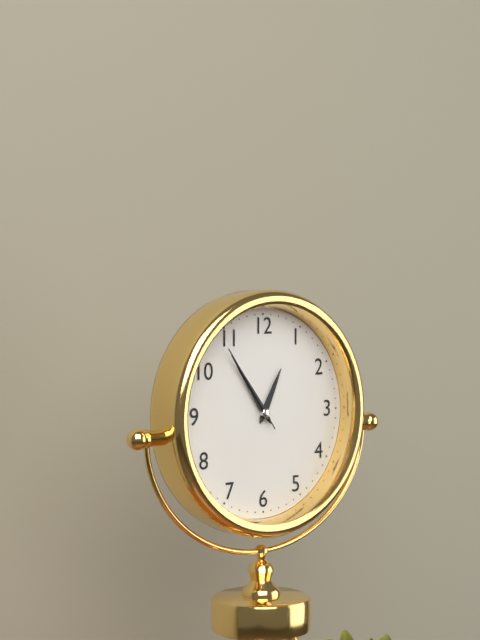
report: 12h54m54s
